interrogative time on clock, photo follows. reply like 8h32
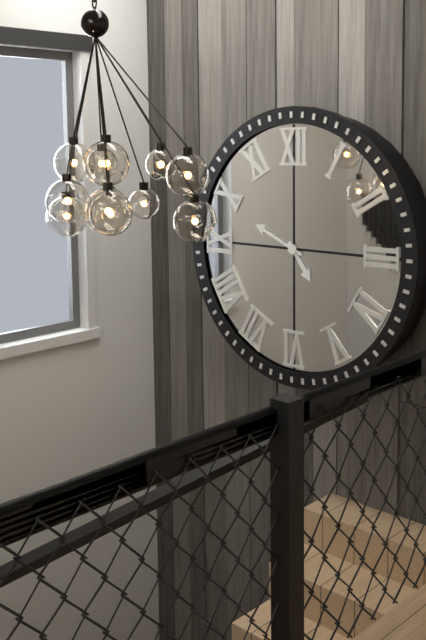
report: 4h49
